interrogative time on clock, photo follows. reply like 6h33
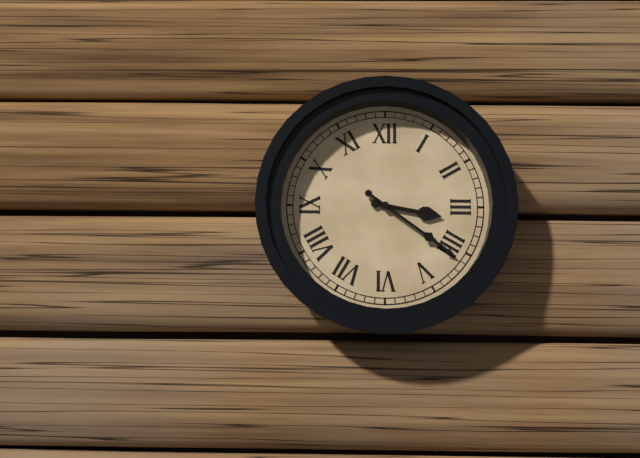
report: 3h21
